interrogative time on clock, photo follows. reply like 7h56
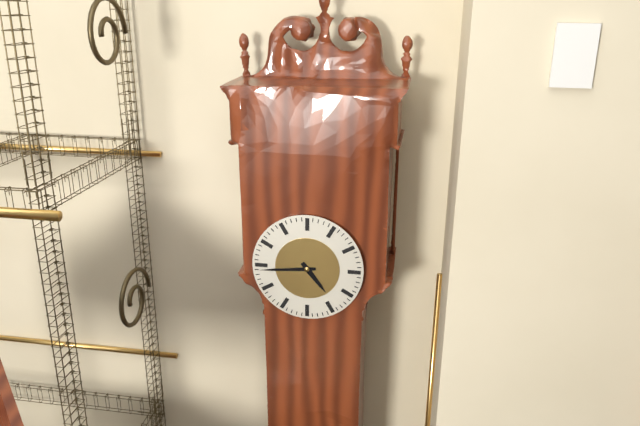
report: 4h44
